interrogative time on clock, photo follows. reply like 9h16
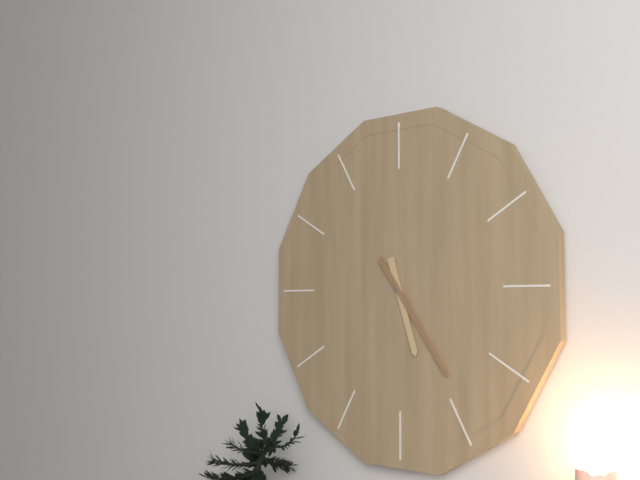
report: 5h24
